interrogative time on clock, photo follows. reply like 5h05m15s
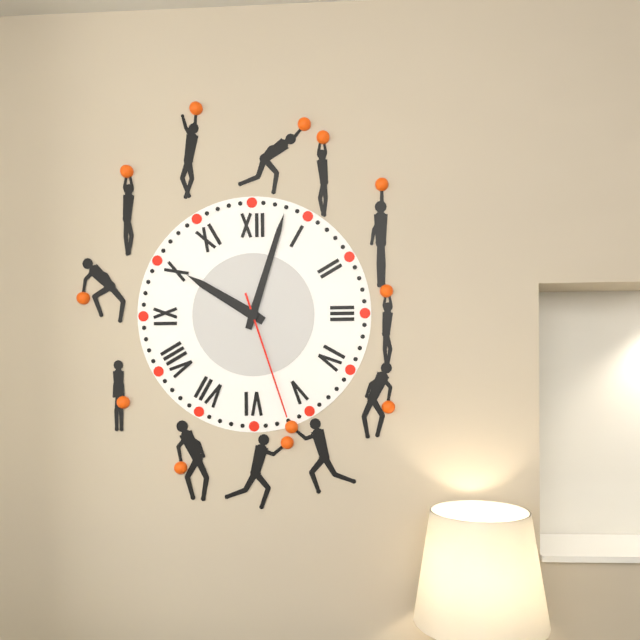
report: 10h03m27s
